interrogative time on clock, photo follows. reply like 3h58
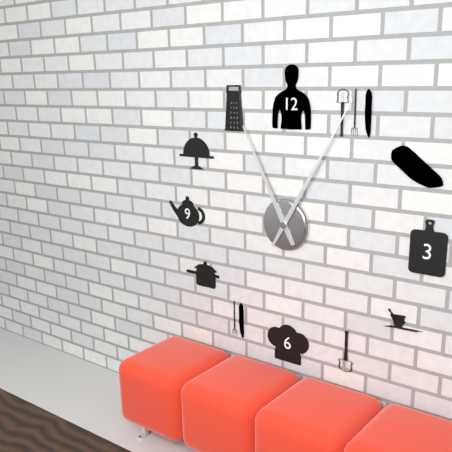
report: 11h05
